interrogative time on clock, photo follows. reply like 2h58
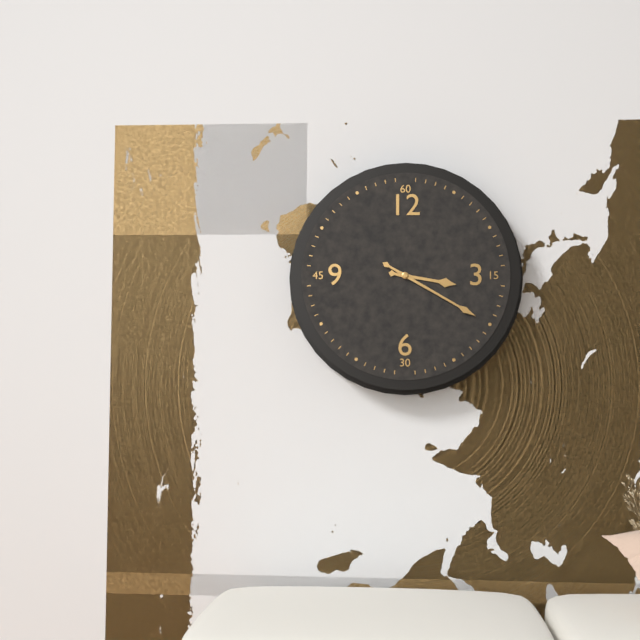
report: 3h20
